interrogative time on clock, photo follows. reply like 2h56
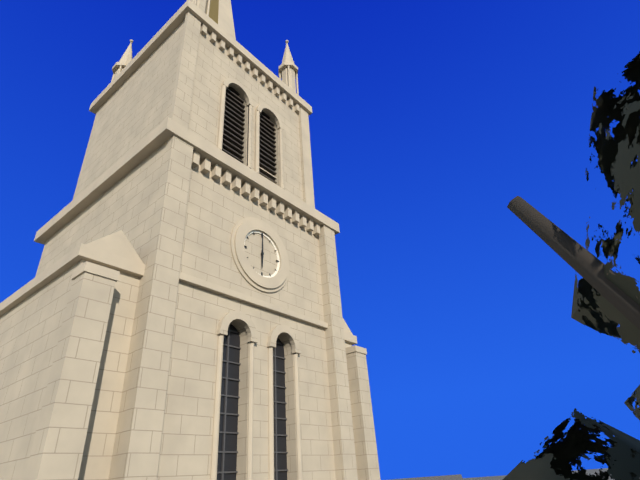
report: 6h00
